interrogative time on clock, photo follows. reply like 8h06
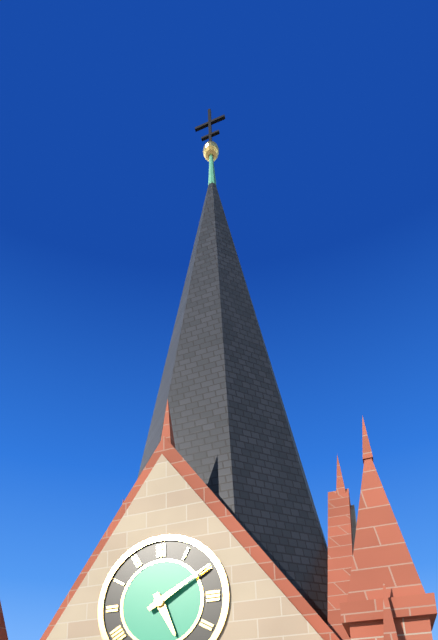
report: 5h10
